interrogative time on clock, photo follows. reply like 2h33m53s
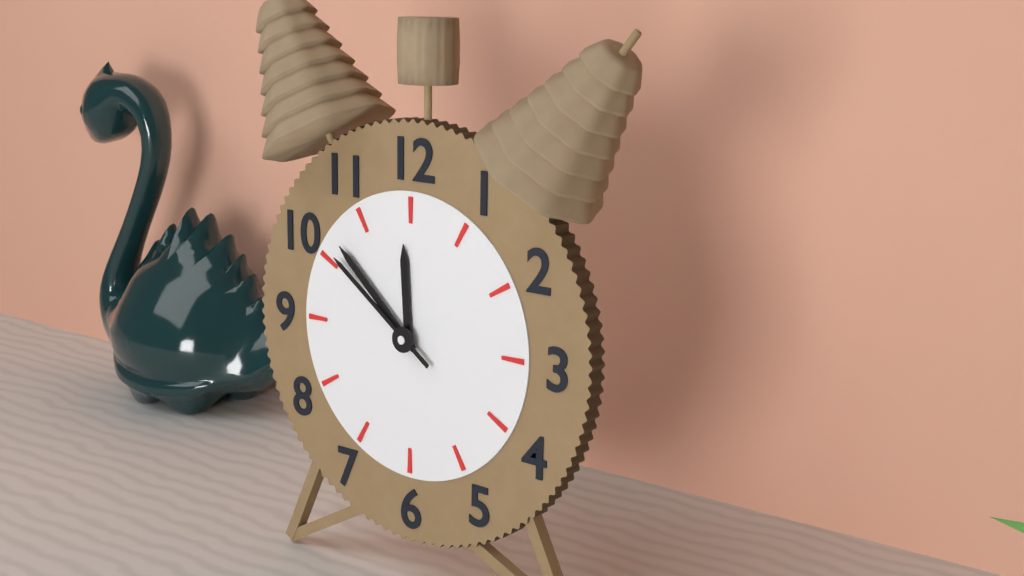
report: 11h52m51s
